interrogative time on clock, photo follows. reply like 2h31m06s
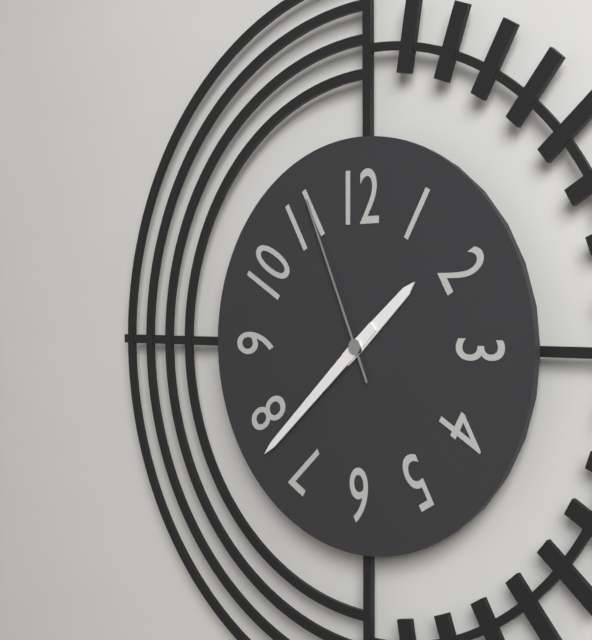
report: 1h38m56s
